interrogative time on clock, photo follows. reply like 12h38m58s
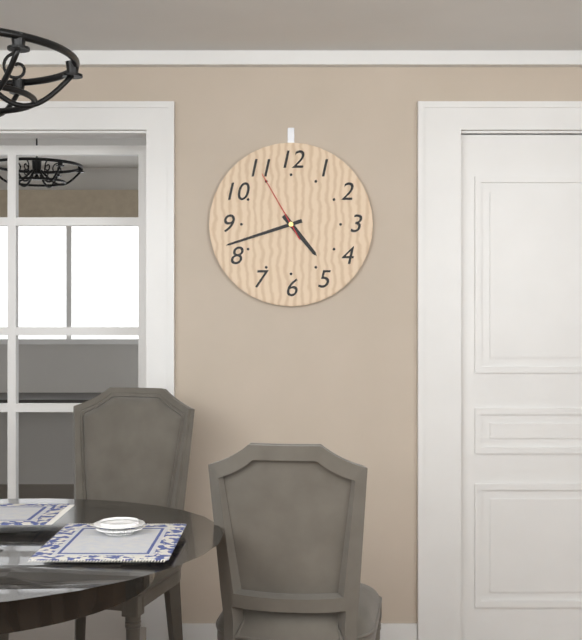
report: 4h42m55s
